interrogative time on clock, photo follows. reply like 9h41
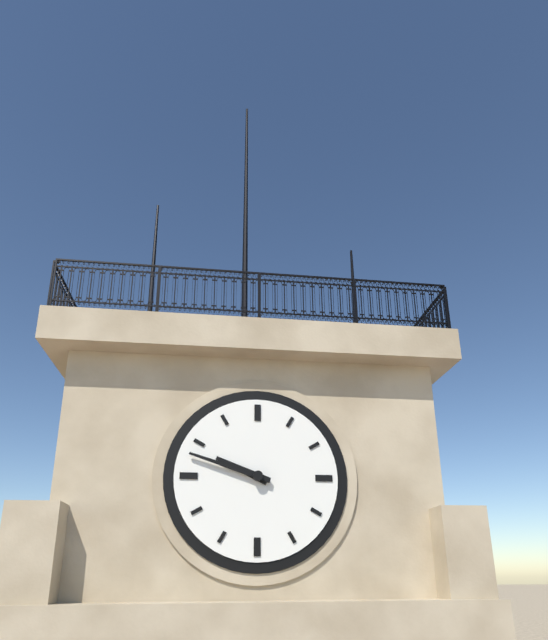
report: 9h48
